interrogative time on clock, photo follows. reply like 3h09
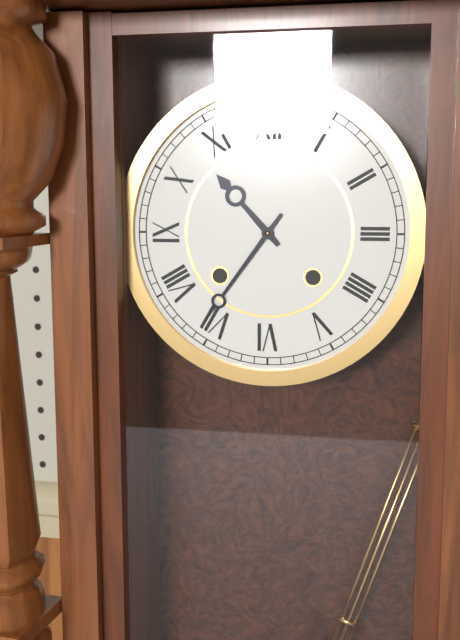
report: 10h36
